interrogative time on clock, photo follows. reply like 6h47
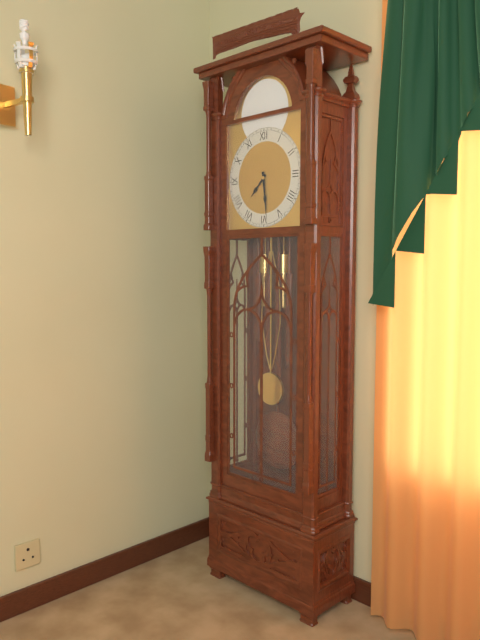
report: 7h29
